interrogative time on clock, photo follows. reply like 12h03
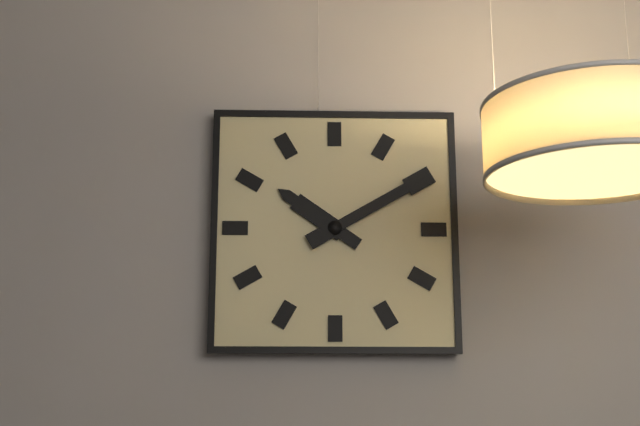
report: 10h10
